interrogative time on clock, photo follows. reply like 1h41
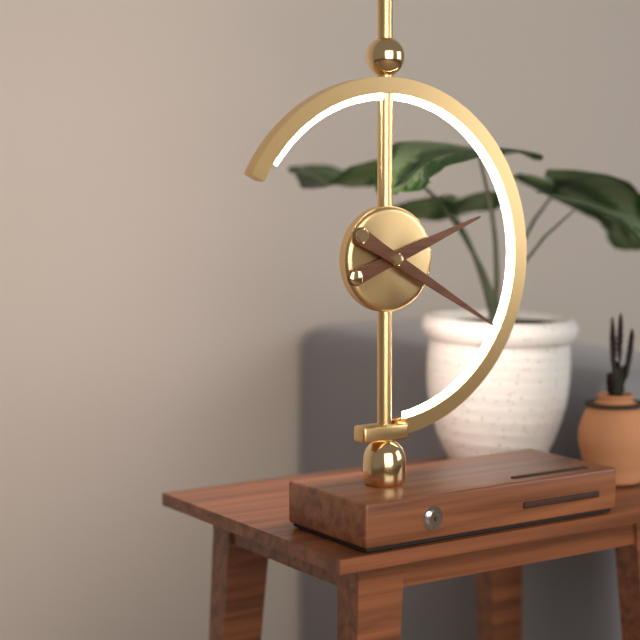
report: 2h20
